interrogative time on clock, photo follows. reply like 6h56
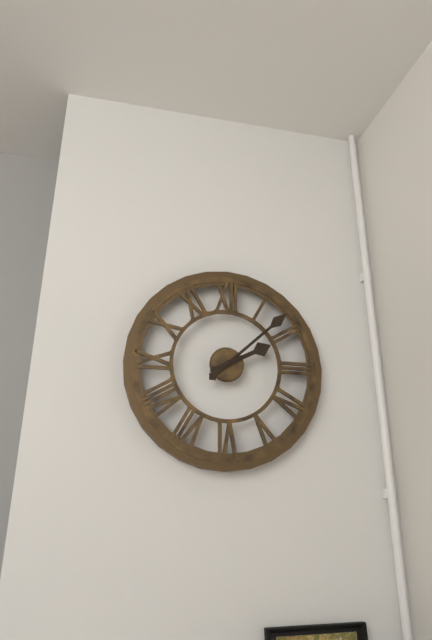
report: 2h08
